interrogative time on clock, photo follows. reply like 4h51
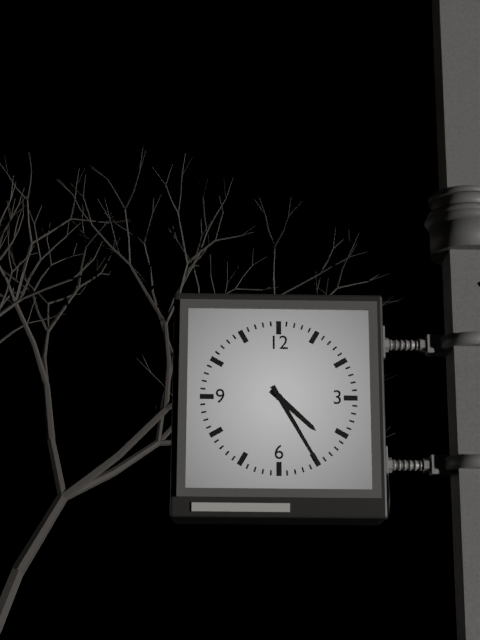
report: 4h25
